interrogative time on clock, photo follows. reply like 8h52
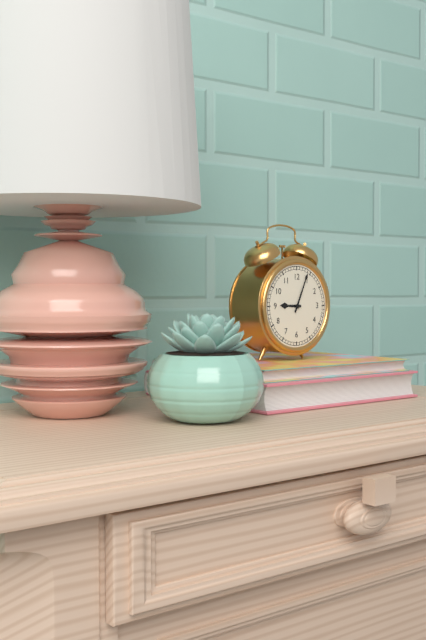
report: 9h04
